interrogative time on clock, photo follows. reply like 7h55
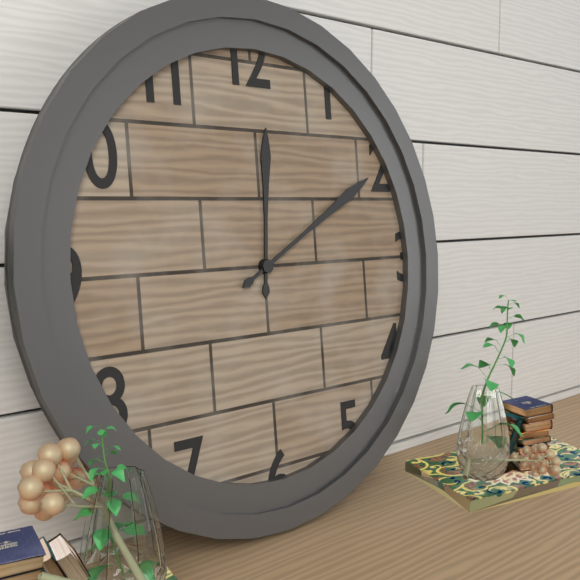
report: 12h10
